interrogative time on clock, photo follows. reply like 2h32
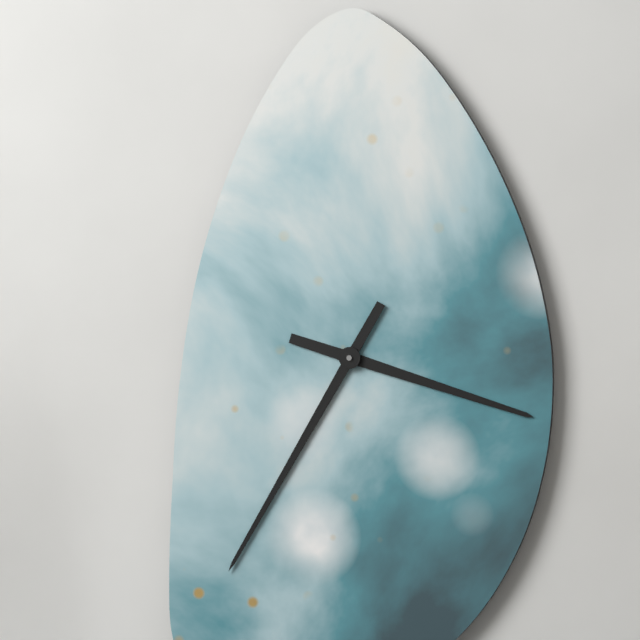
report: 3h35
